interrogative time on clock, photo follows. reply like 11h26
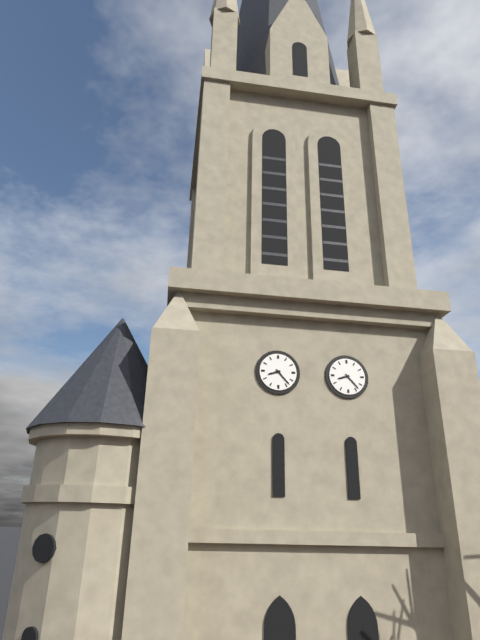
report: 8h23
